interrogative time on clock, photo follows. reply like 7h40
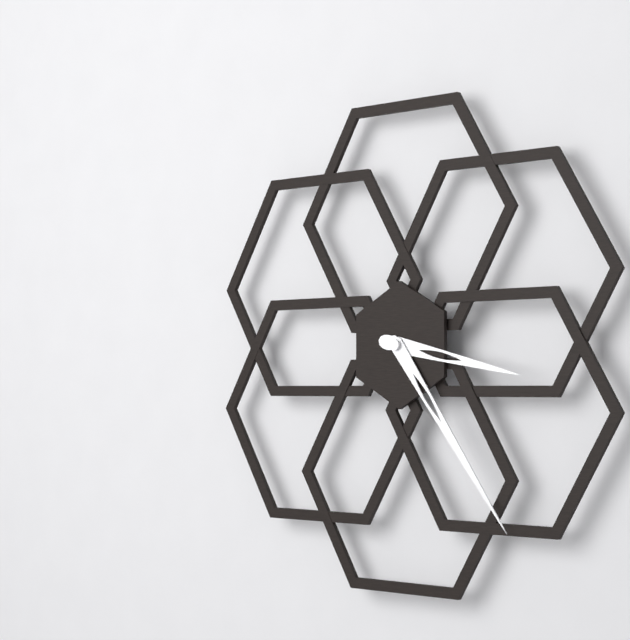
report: 3h24
